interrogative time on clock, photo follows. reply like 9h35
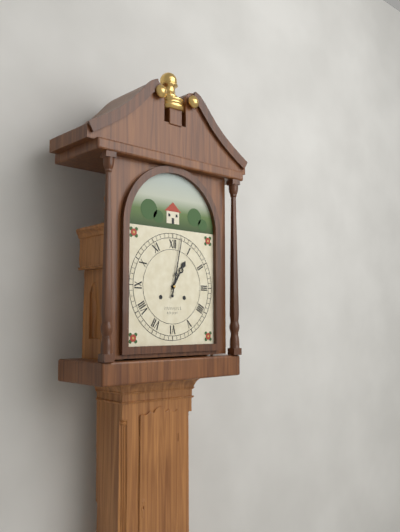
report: 1h02
